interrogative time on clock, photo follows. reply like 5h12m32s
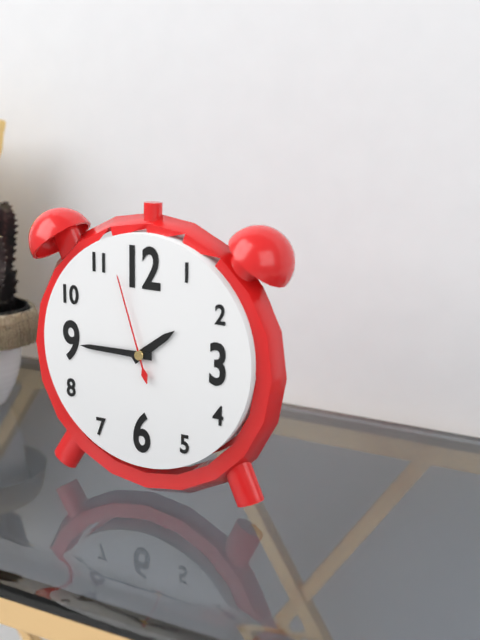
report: 1h45m57s
